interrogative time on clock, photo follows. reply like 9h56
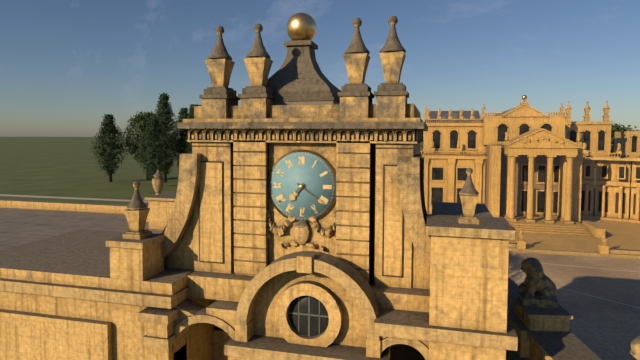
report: 7h21
